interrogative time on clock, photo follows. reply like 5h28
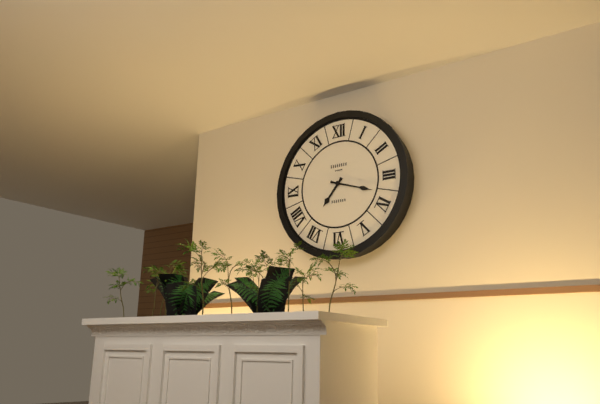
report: 7h18
